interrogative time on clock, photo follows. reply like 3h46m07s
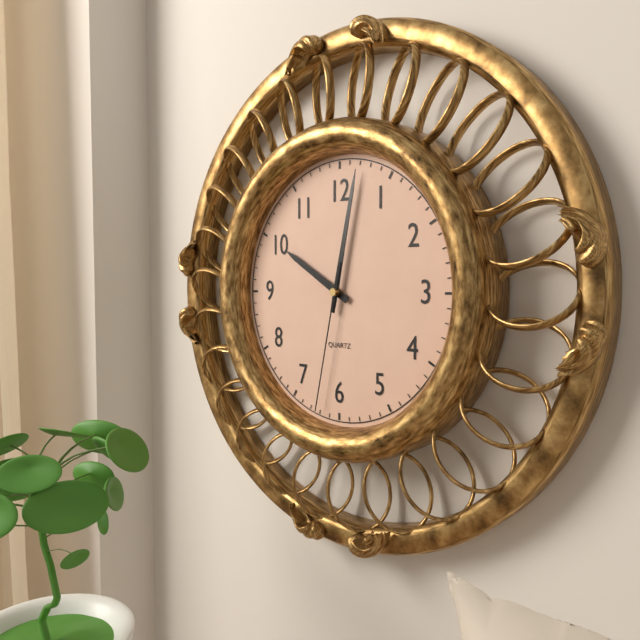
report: 10h02m32s
